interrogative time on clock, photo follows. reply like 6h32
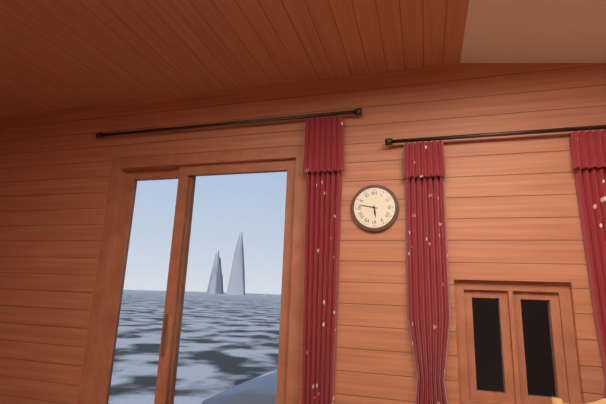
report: 5h47
